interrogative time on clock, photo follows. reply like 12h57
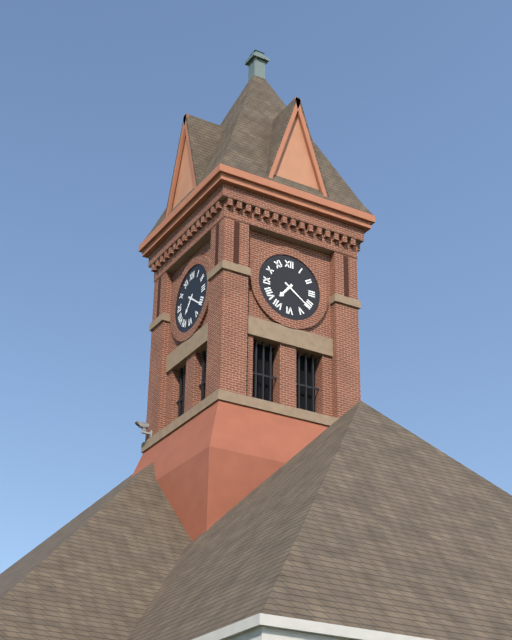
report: 7h21
